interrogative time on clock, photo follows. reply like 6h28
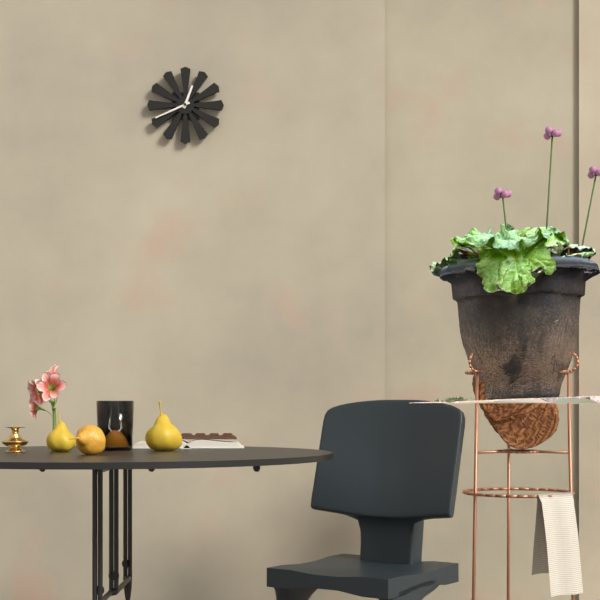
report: 12h41
